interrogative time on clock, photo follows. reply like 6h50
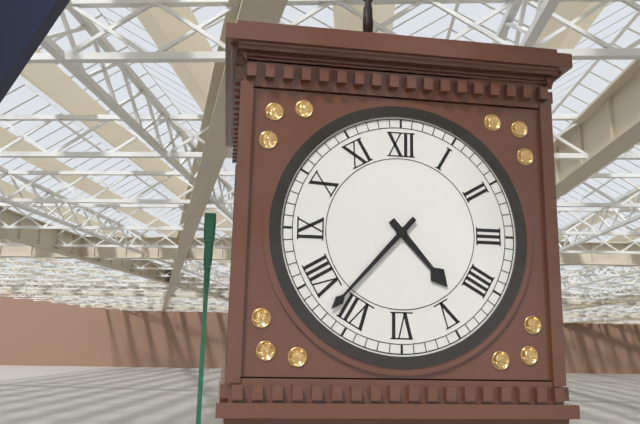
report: 4h37
